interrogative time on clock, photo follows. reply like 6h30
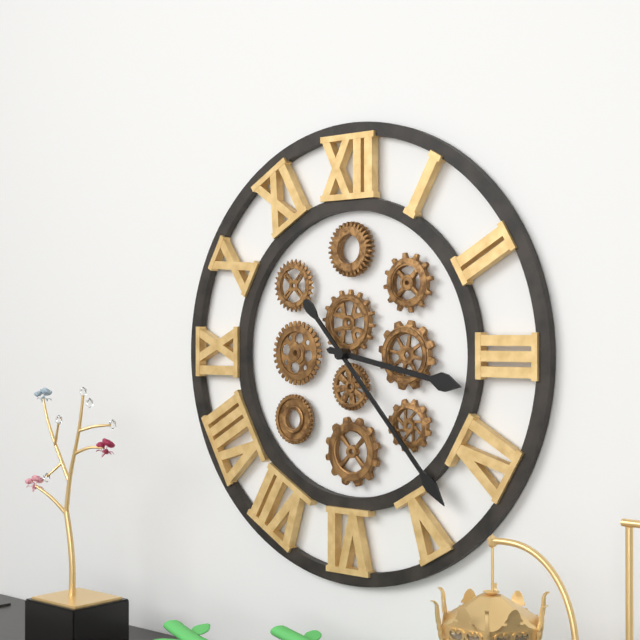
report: 3h23
